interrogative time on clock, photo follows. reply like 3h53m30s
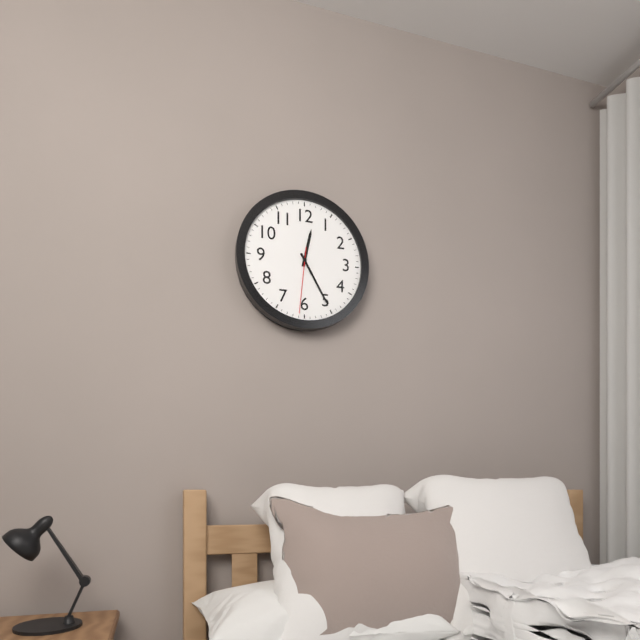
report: 12h25m31s
